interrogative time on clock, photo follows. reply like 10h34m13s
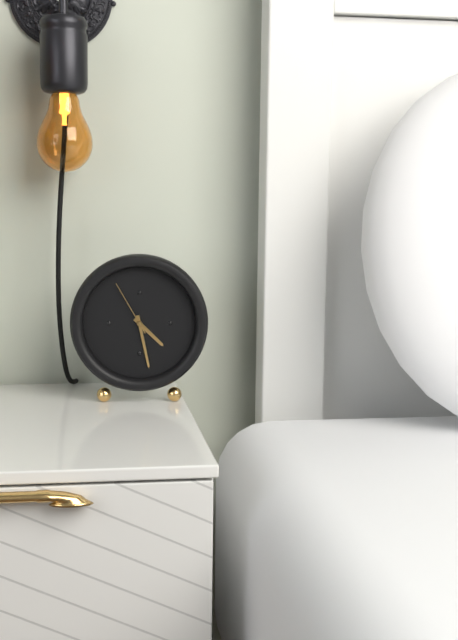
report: 4h28m55s
